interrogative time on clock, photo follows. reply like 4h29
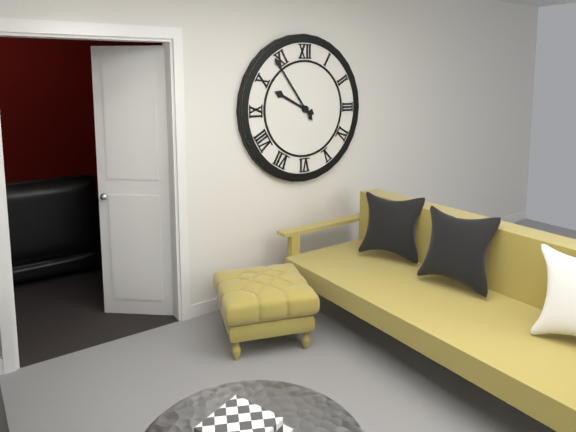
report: 9h54
